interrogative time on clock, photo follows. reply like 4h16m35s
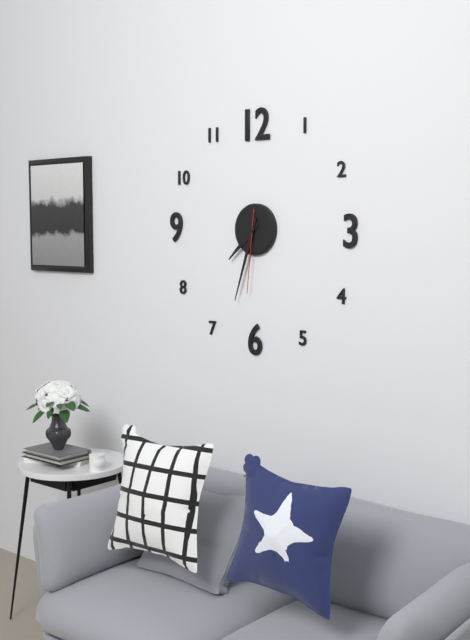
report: 7h33m31s
